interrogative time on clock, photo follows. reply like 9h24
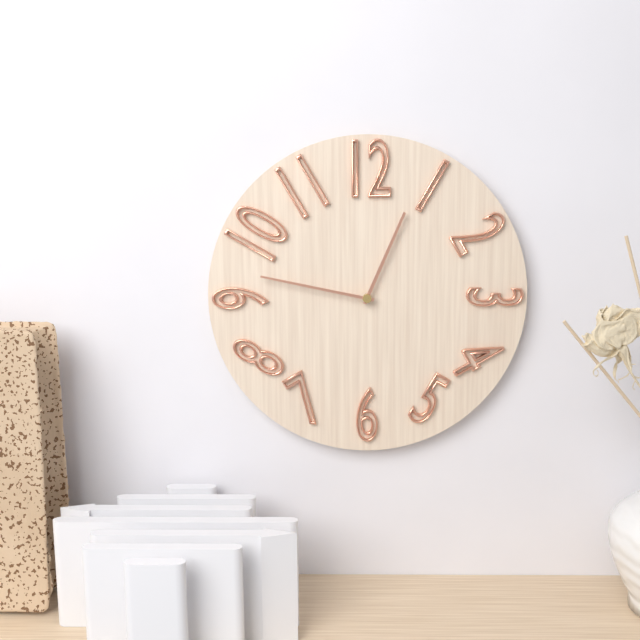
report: 12h47
